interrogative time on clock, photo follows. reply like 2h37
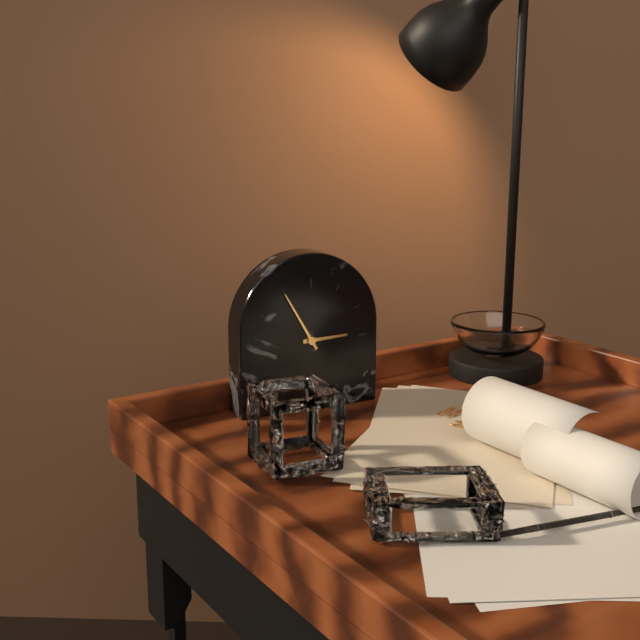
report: 2h55
